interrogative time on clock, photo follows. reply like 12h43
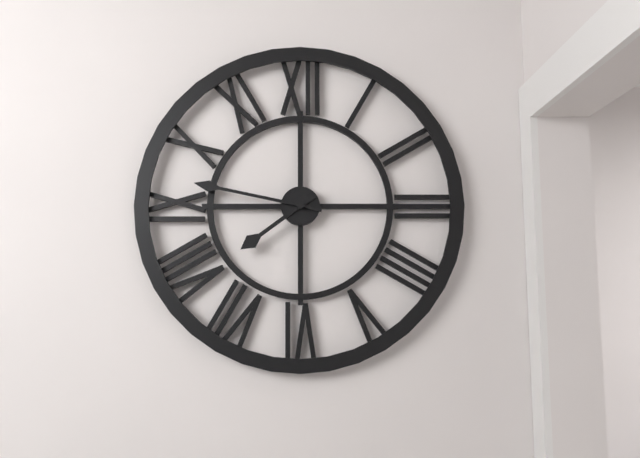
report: 7h47
